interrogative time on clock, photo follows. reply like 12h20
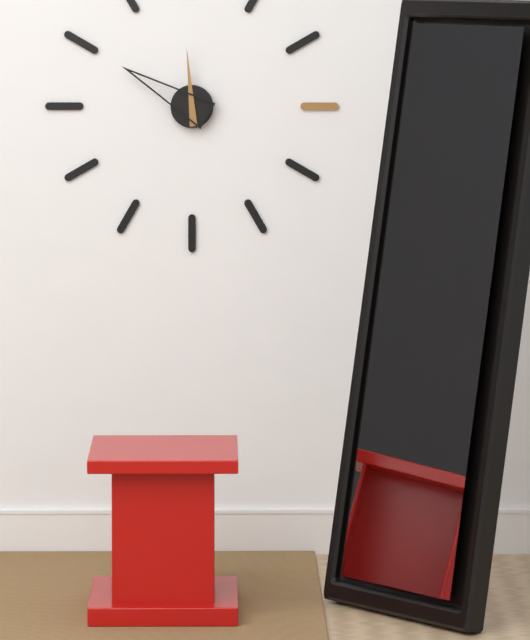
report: 11h50
